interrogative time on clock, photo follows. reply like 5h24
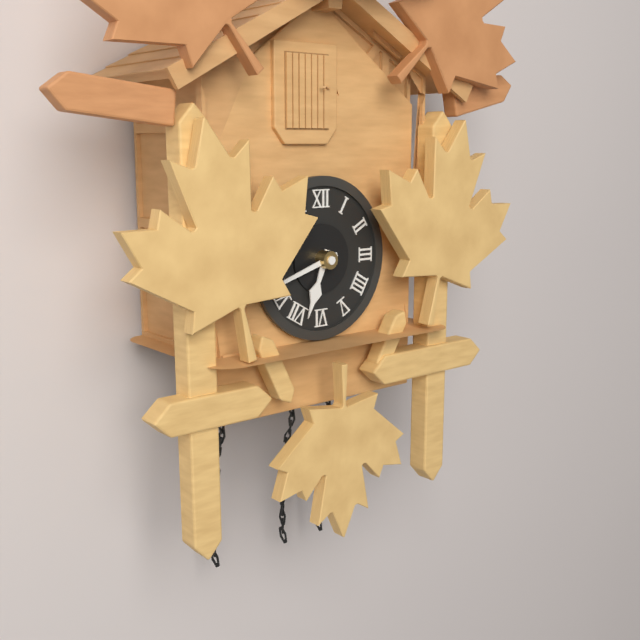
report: 6h42
